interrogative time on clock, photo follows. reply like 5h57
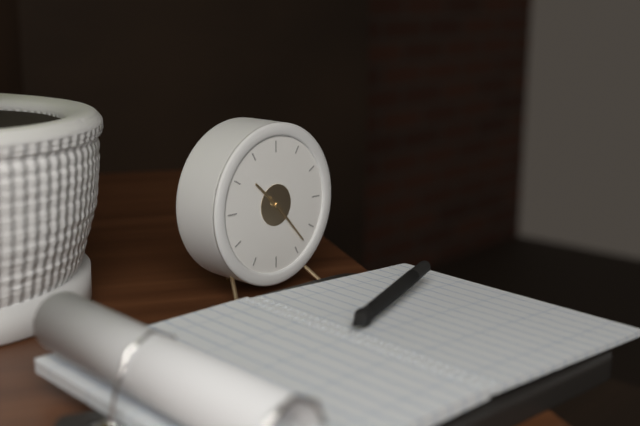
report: 10h23
